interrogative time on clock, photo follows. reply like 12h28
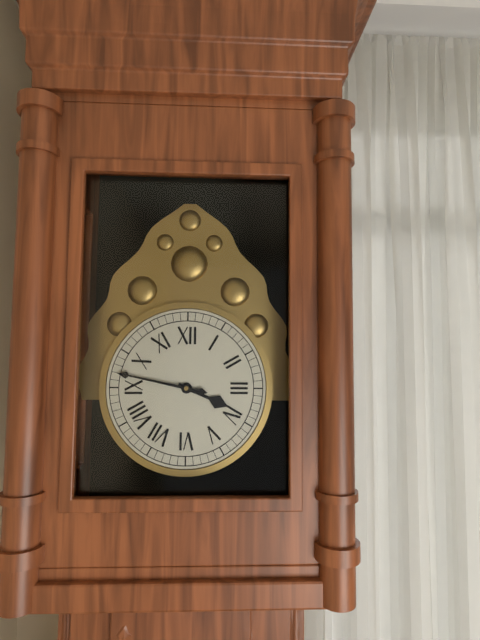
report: 3h47
